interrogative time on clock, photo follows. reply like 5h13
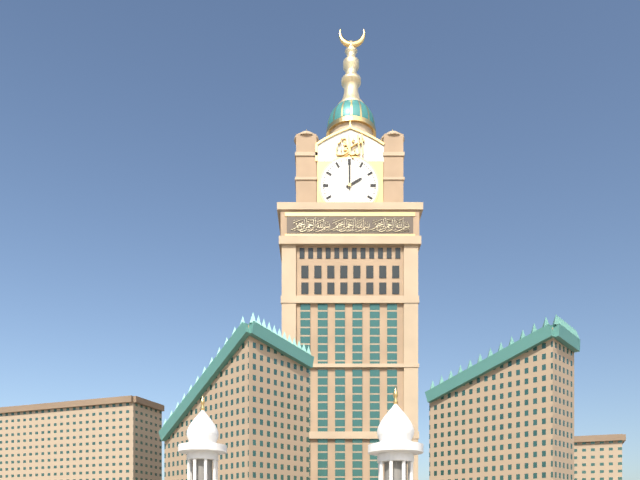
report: 2h00
